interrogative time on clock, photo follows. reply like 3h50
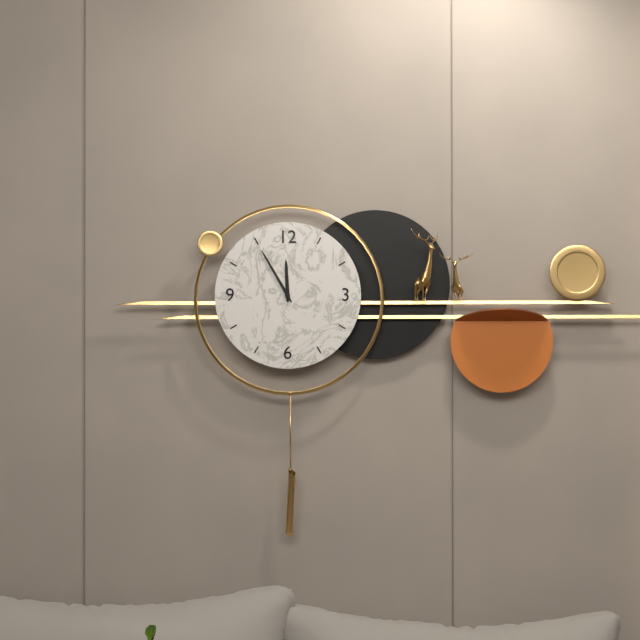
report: 11h55
